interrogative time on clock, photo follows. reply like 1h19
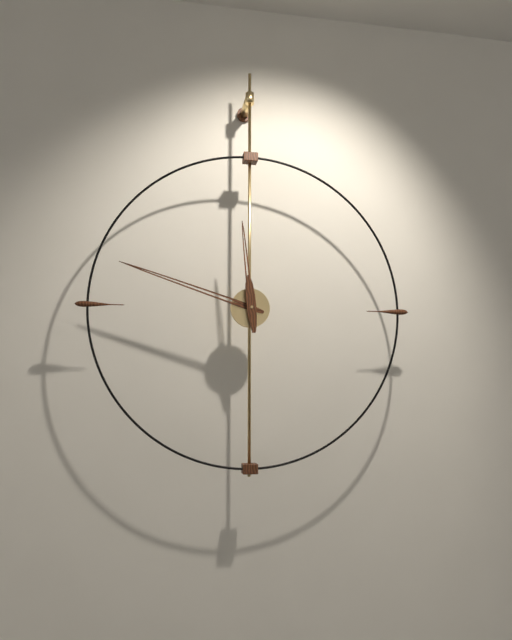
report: 11h48
